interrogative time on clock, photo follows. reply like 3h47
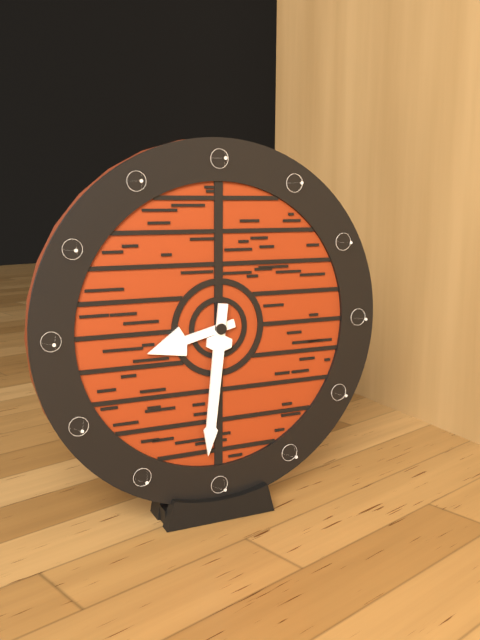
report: 8h31
